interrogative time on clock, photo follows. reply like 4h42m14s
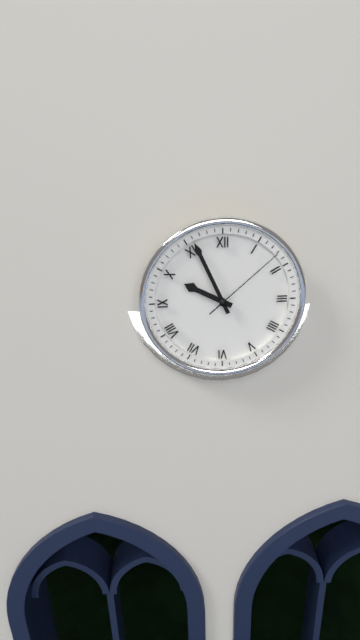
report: 9h56m08s
